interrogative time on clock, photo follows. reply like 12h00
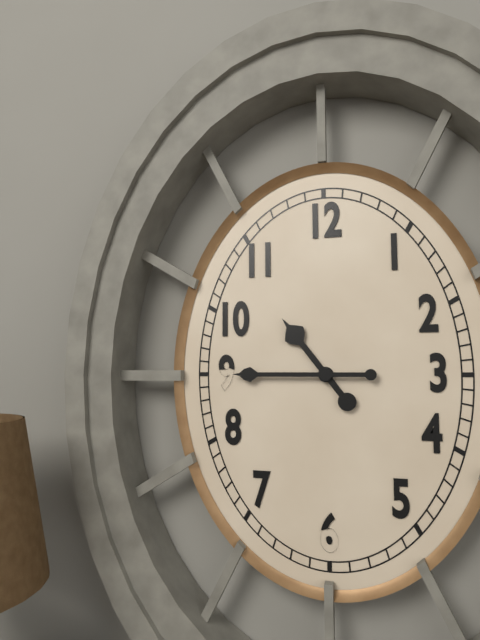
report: 10h45
